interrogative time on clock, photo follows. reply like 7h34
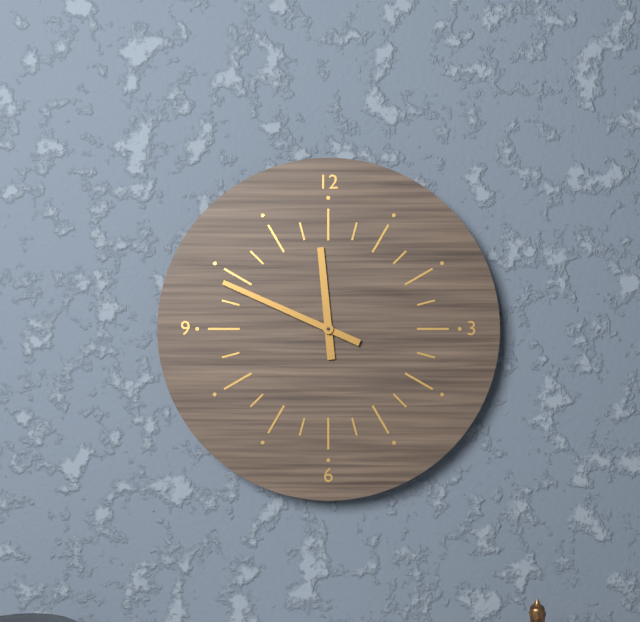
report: 11h49
